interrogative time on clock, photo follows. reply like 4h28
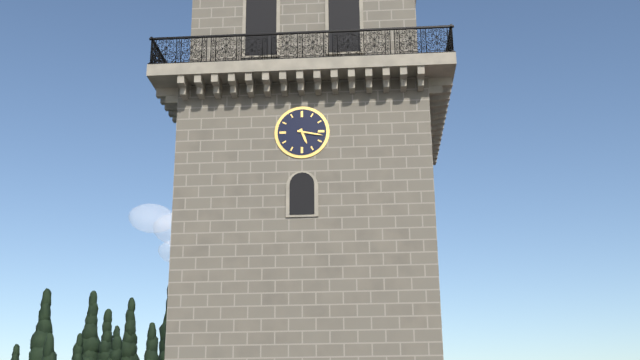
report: 5h17
